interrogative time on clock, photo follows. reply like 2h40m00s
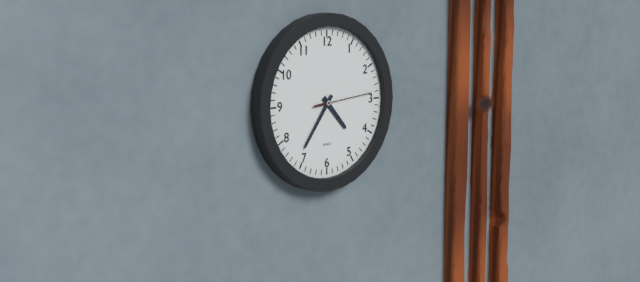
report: 4h36m14s
